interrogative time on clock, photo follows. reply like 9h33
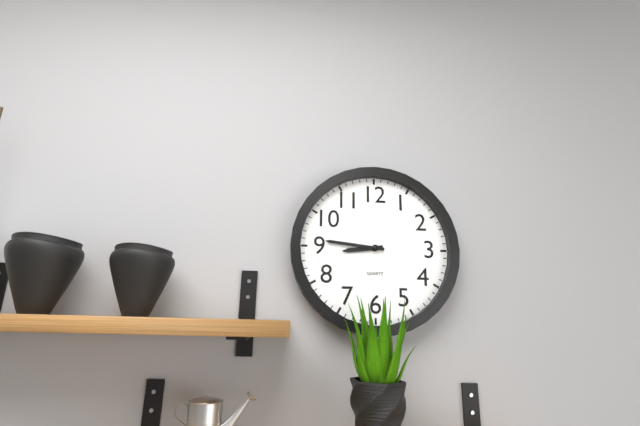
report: 8h46
